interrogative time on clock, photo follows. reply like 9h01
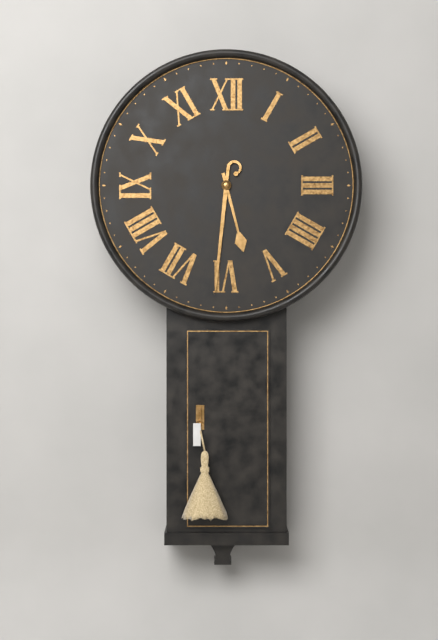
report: 5h31
